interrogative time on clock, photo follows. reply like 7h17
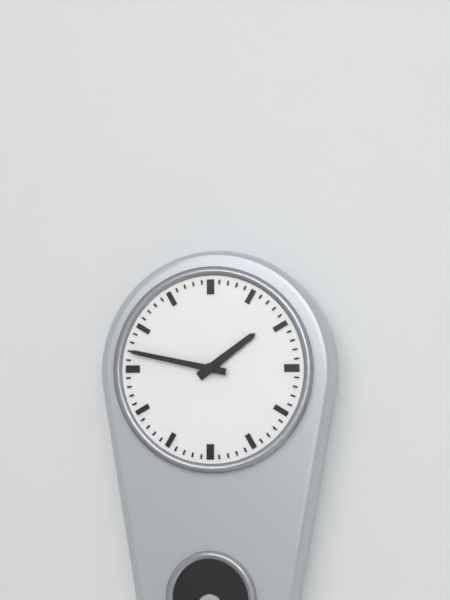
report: 1h47
